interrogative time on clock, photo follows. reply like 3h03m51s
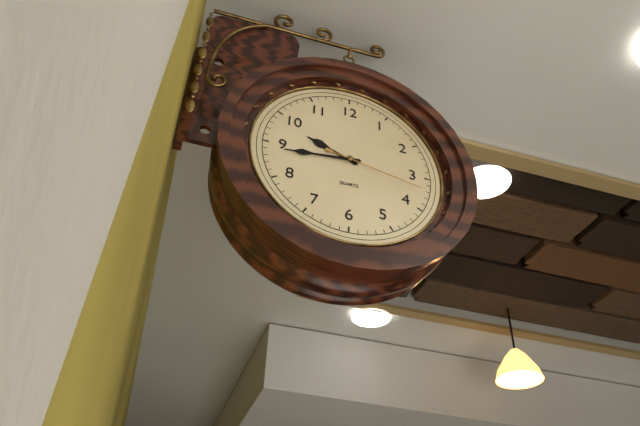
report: 9h44m17s
